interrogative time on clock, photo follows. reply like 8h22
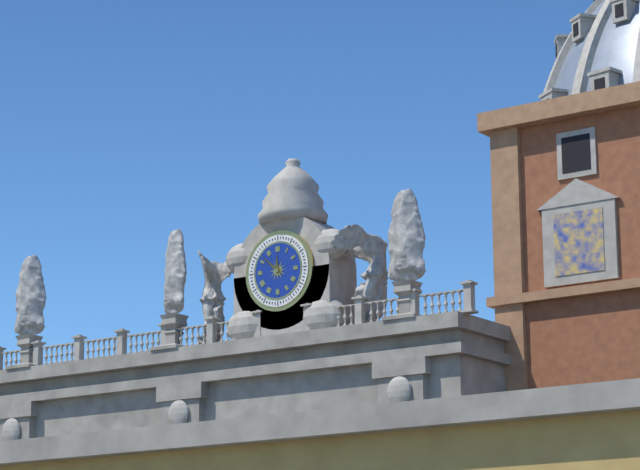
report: 11h52
